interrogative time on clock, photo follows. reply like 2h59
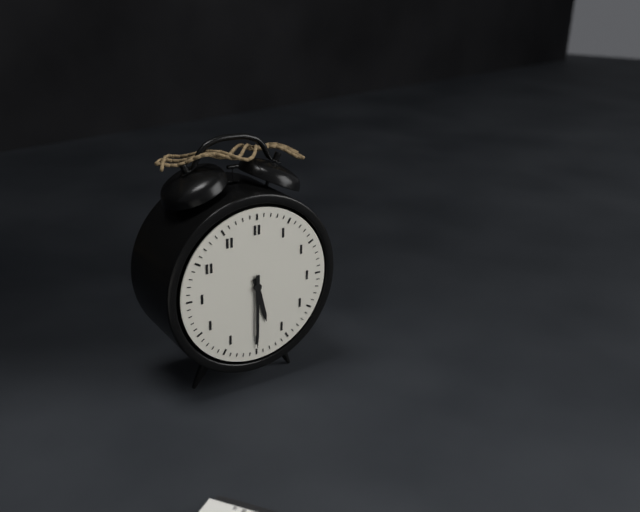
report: 5h30
